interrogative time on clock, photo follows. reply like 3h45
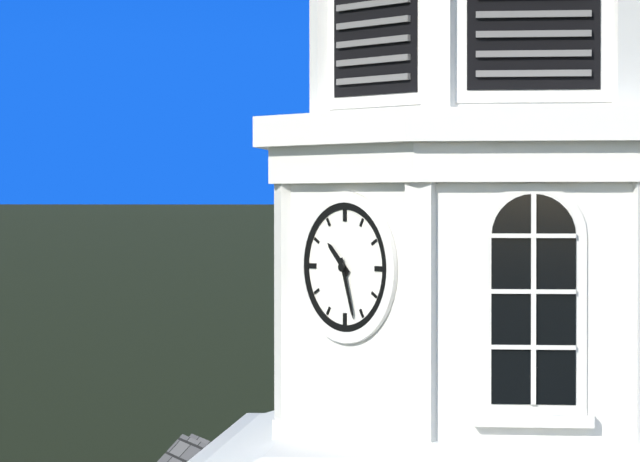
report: 10h27
